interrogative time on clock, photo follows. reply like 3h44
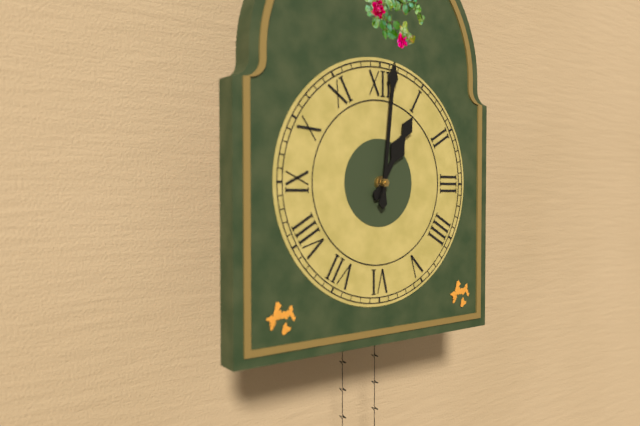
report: 1h01
